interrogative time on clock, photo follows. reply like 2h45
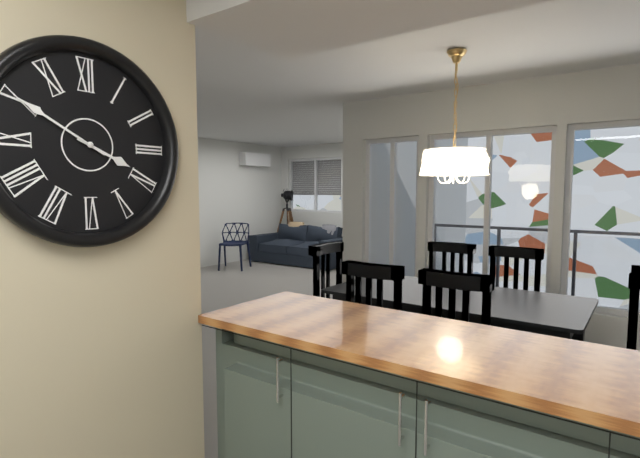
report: 3h50
